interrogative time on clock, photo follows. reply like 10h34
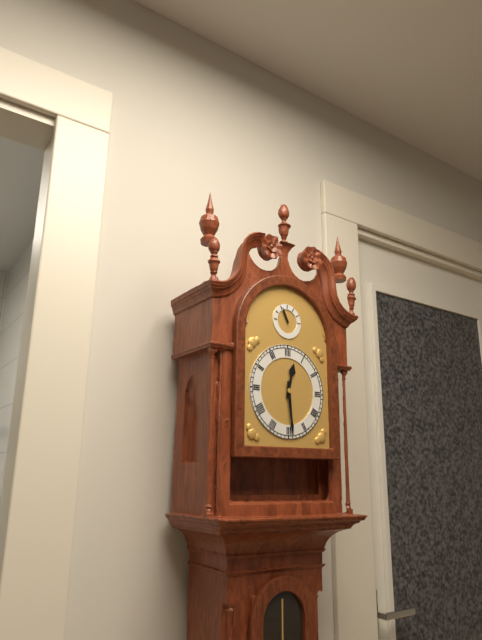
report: 12h29
